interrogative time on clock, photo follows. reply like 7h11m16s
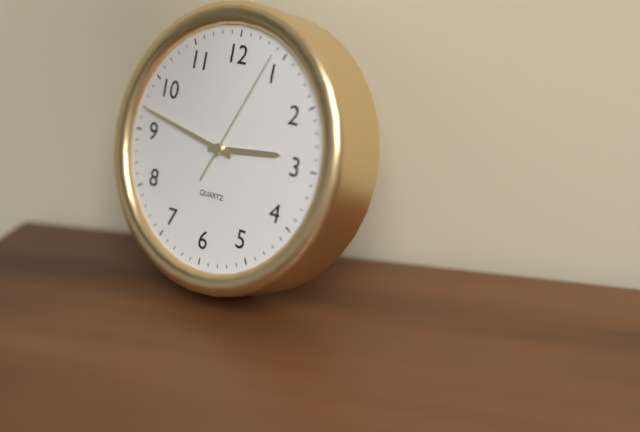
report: 2h47m04s
